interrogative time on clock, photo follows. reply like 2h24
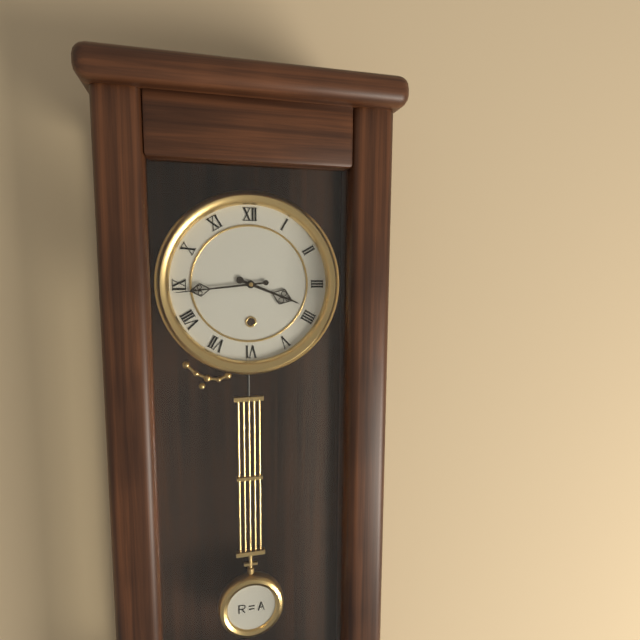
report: 3h44
